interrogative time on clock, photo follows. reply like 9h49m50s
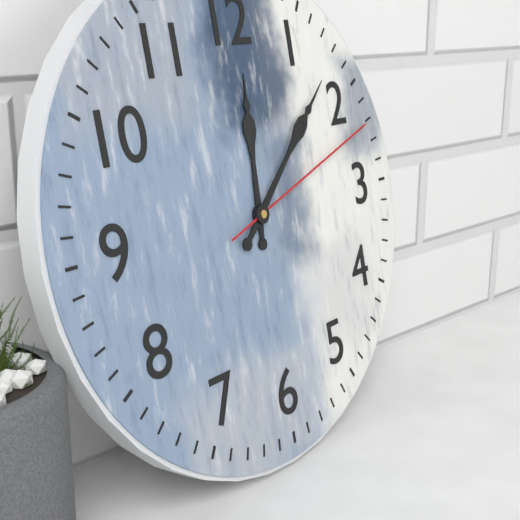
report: 12h08m12s
